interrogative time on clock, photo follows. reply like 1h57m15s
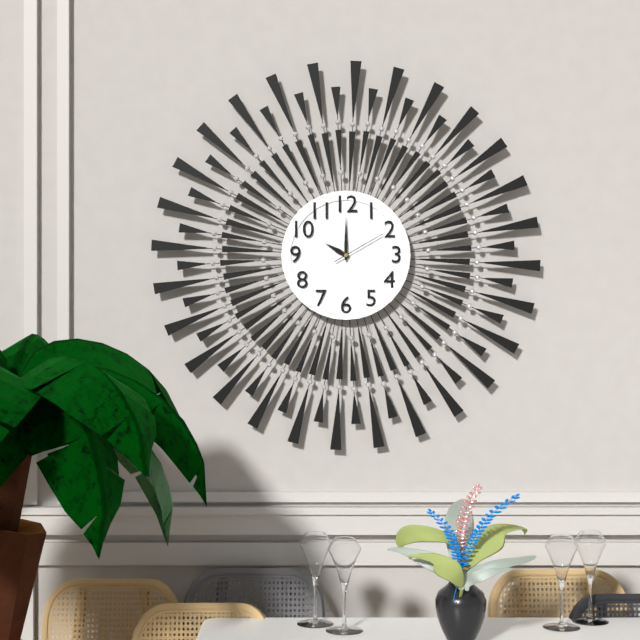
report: 10h00m10s
